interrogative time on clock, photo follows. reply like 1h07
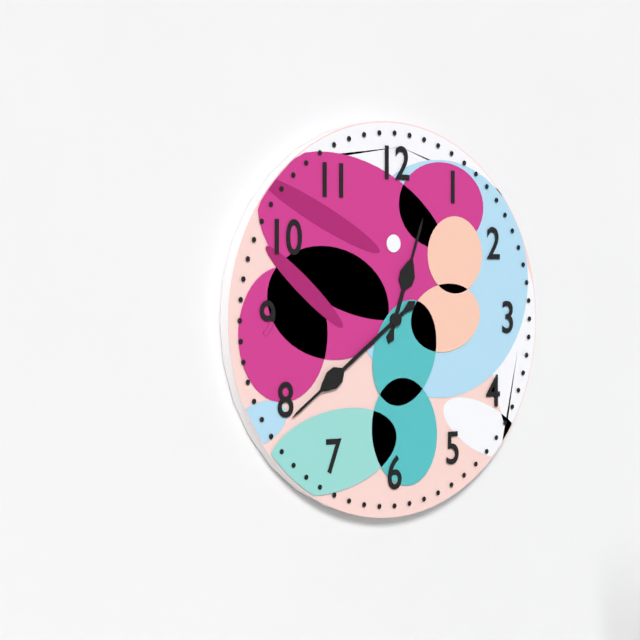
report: 12h39
